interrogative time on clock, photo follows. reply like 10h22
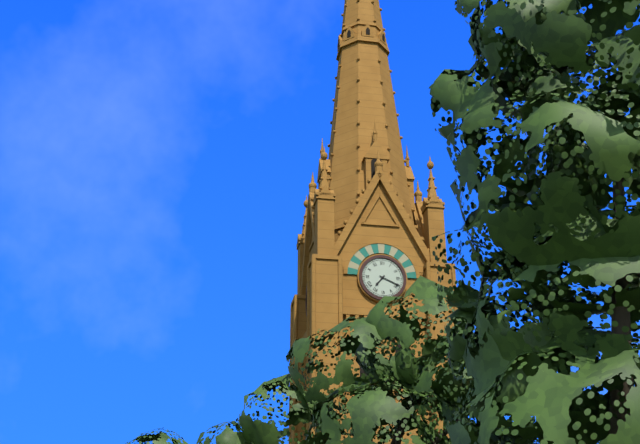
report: 7h19
